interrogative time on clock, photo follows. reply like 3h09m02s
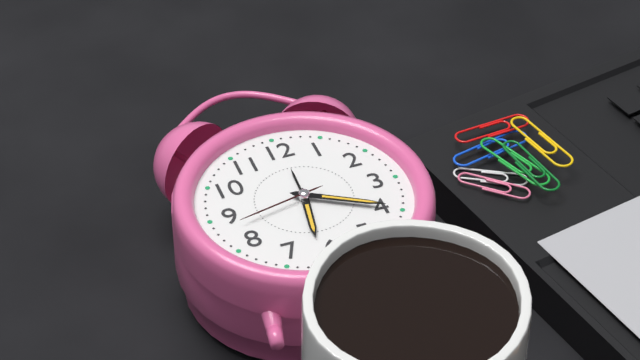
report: 6h20m43s
